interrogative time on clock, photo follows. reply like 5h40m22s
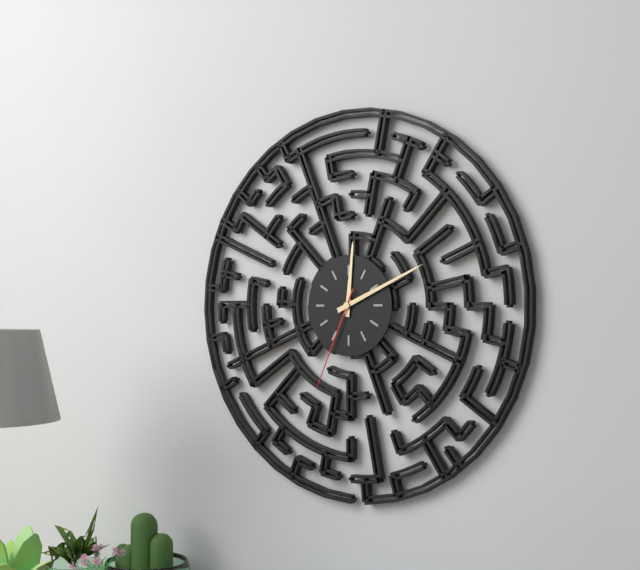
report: 12h11m34s
